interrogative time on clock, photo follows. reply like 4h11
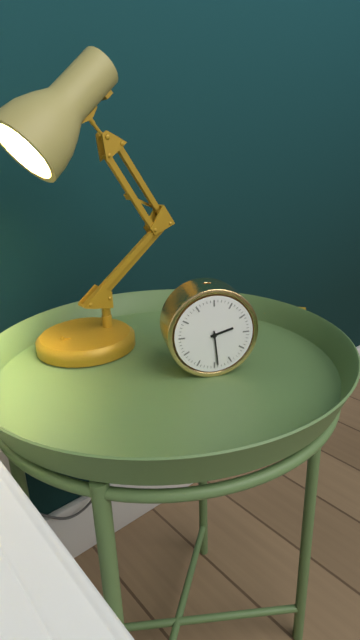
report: 2h29
